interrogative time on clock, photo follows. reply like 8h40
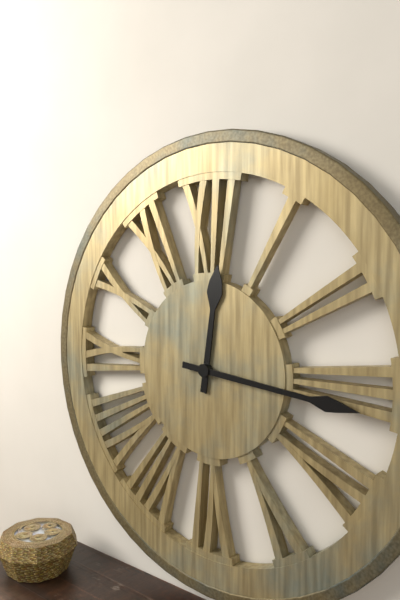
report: 12h16
